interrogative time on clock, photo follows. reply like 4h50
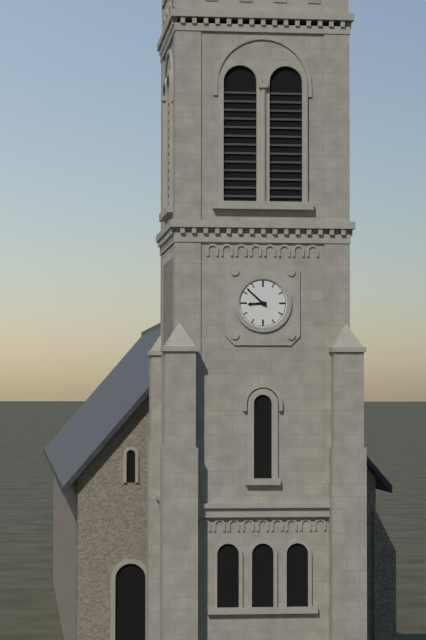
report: 8h52
